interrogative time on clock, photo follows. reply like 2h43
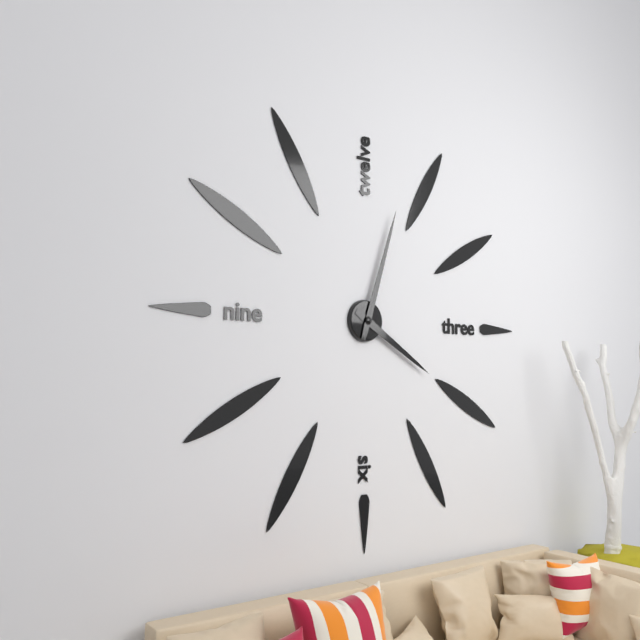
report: 4h03
